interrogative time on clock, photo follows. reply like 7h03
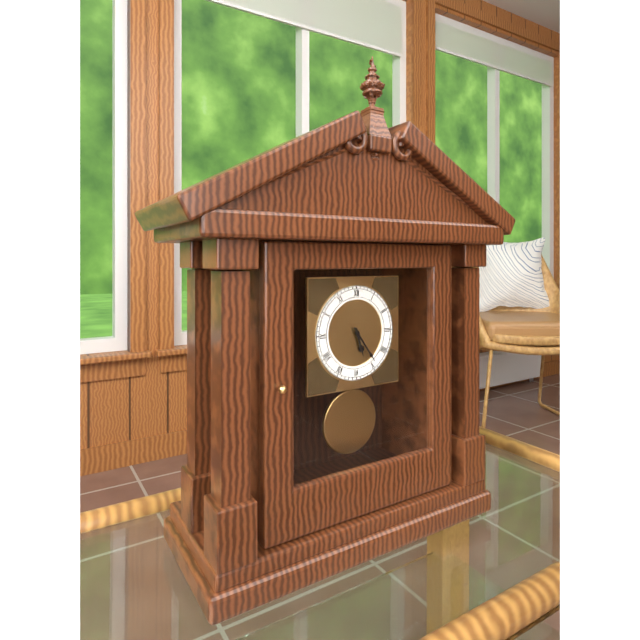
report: 5h24
